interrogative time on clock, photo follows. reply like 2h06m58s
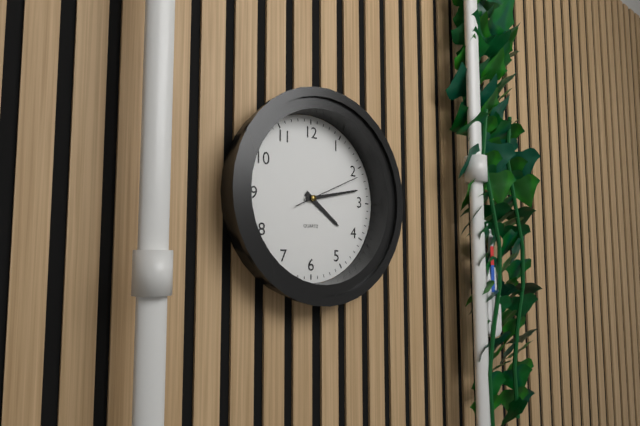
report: 4h13m11s
